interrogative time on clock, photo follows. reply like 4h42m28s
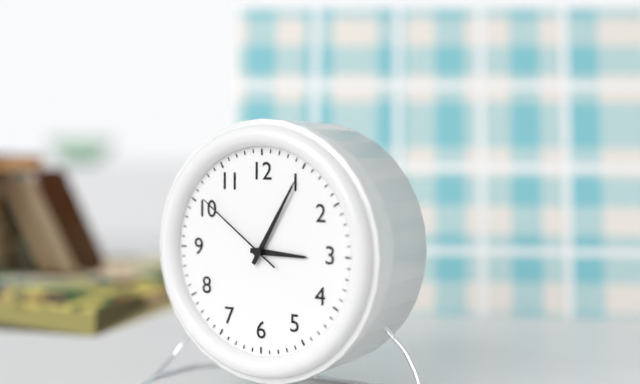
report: 3h05m51s
